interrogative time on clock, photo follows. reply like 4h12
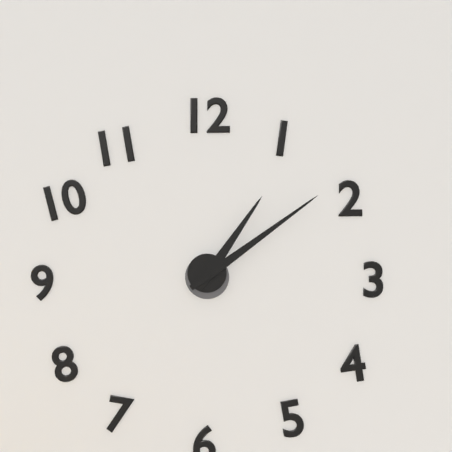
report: 1h09
